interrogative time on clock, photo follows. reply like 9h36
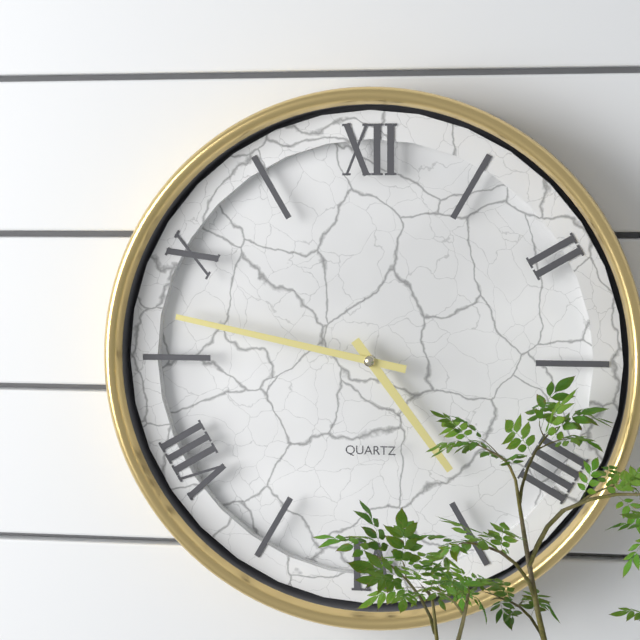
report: 4h47
